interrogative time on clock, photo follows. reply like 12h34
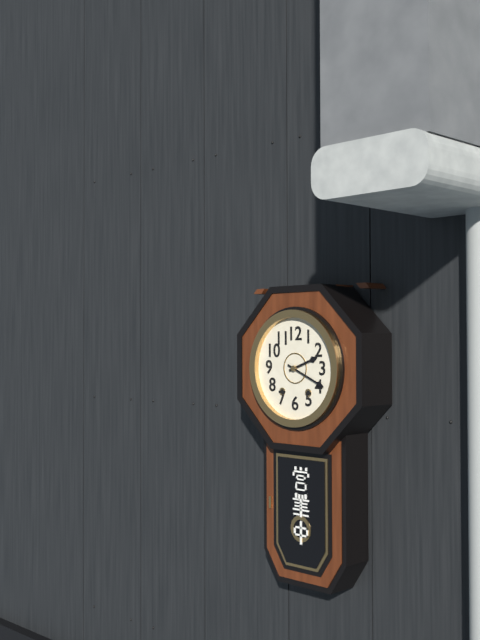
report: 2h19
